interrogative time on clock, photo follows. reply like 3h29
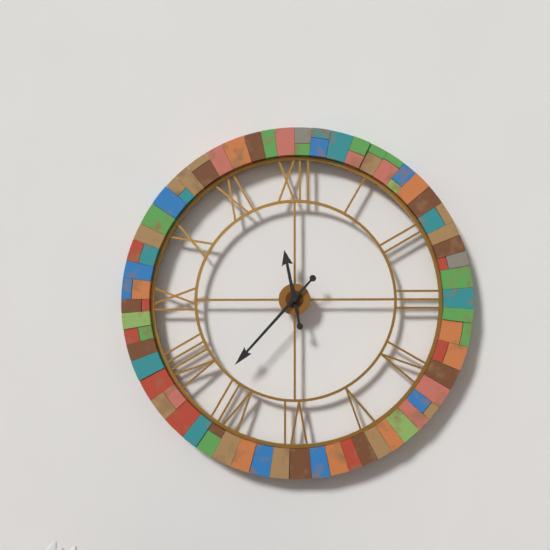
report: 11h37
